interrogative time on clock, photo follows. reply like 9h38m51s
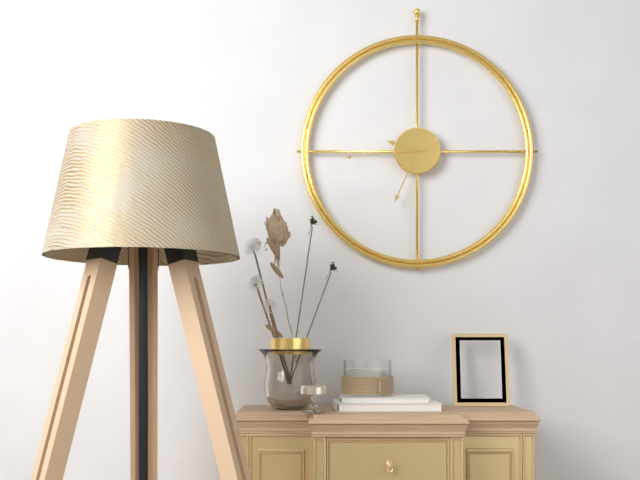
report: 9h34m44s
